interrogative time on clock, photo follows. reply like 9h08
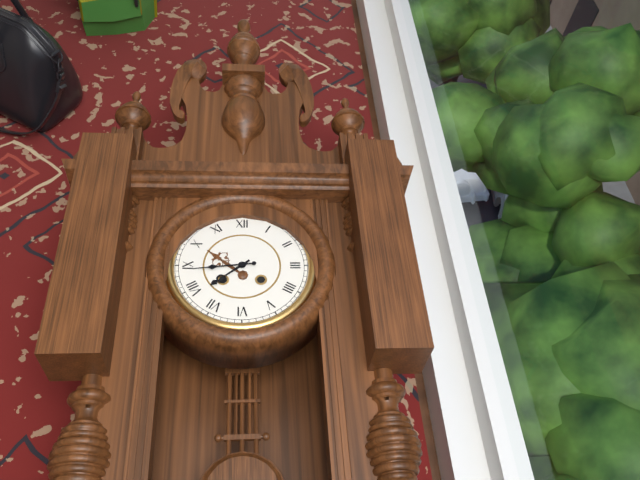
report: 7h44
